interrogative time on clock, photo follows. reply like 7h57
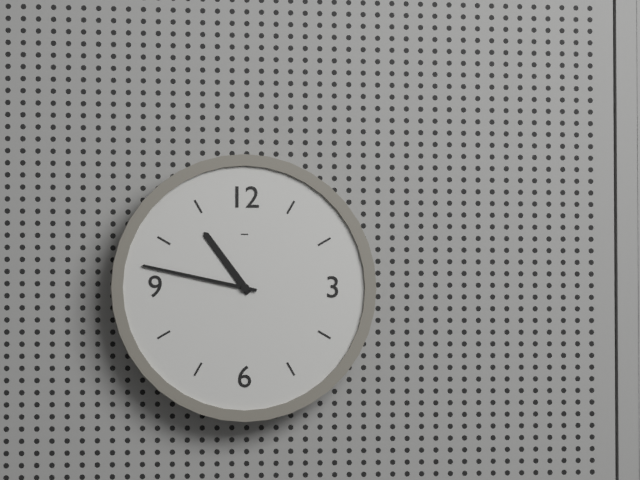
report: 10h47
